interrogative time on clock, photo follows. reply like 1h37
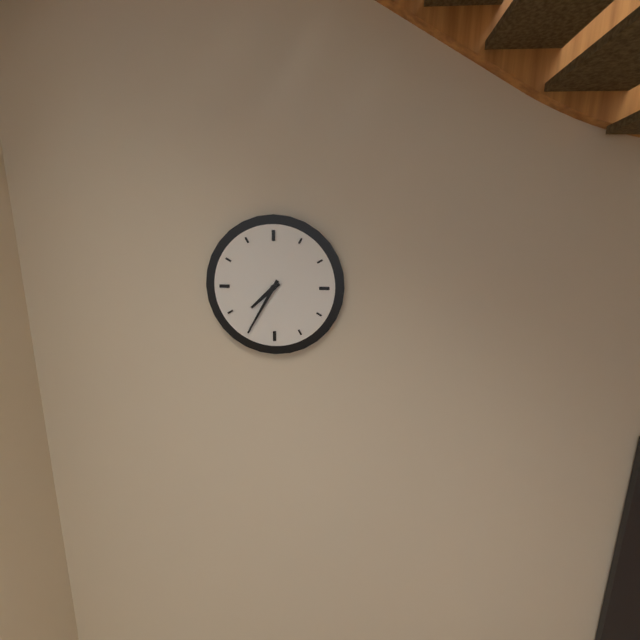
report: 7h35
